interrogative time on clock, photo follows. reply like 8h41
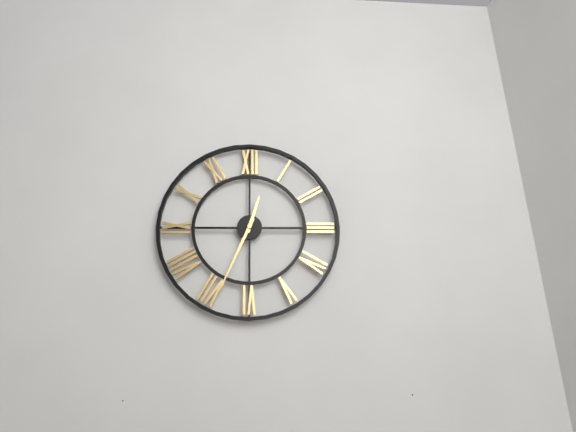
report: 12h34
